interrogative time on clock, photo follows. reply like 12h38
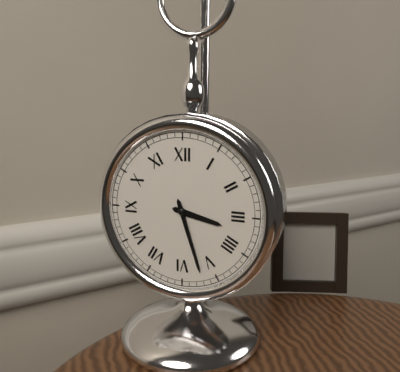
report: 3h27
